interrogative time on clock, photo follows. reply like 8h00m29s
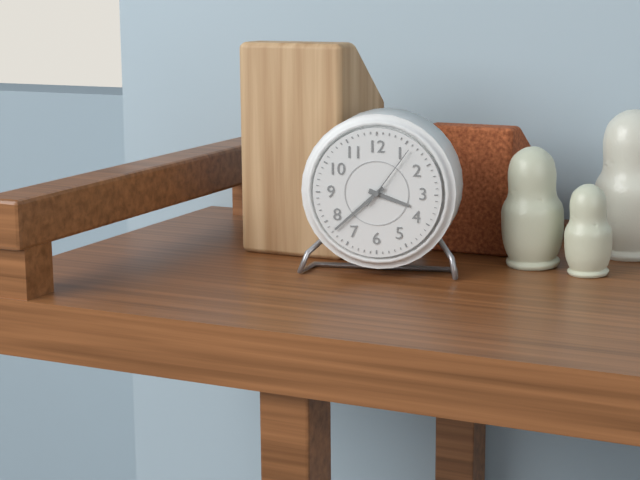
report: 3h38m06s
